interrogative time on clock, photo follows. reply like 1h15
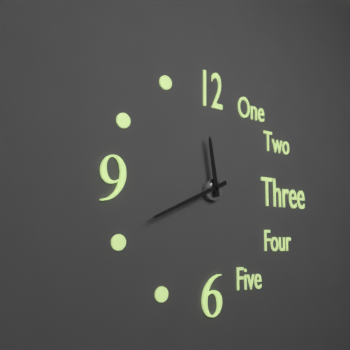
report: 11h41
